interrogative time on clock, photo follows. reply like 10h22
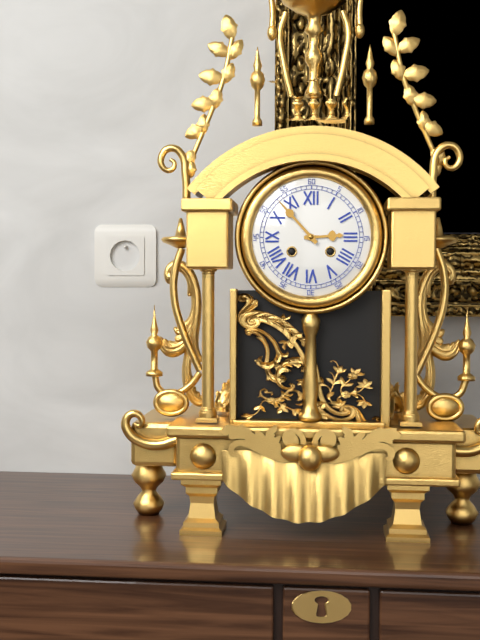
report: 2h53
